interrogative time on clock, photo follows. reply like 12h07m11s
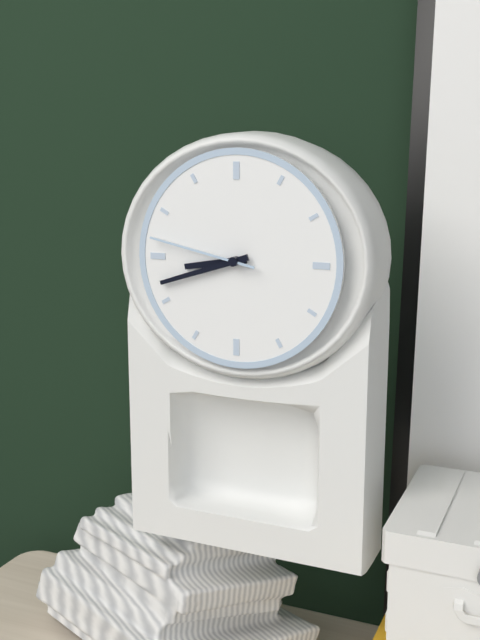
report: 8h42m47s
